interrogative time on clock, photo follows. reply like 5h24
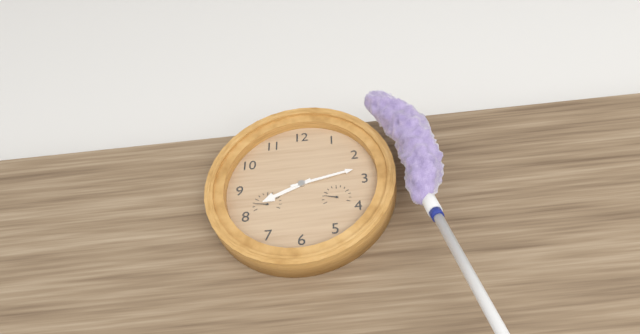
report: 8h13
